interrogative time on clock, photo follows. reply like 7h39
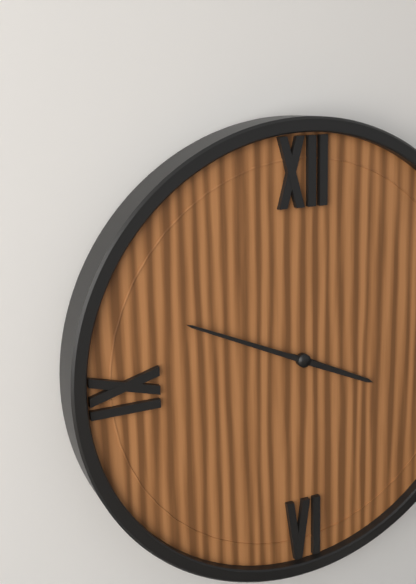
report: 3h49
